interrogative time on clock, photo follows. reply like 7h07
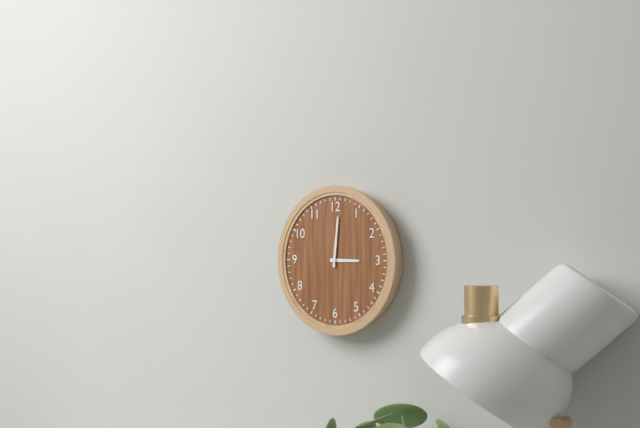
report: 3h01
